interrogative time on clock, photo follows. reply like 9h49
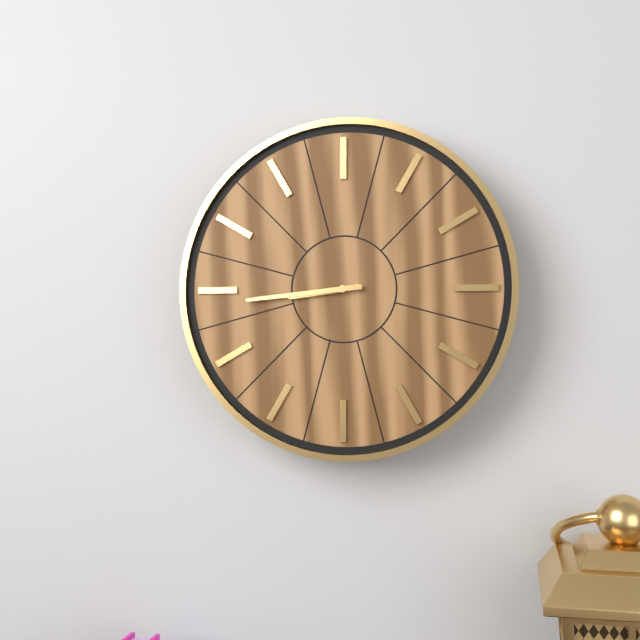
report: 8h44
